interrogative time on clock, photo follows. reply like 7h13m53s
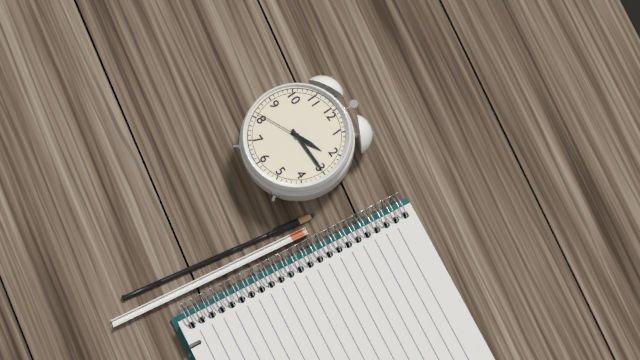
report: 2h15m41s
